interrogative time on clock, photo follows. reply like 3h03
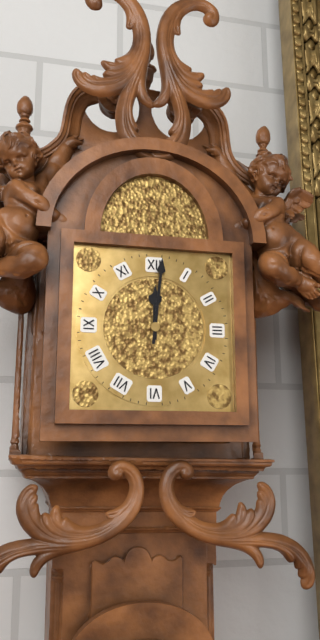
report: 12h01
